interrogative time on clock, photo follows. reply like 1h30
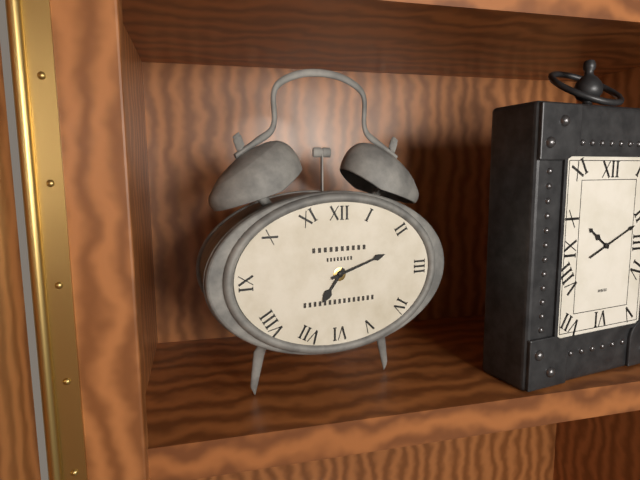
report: 7h12
